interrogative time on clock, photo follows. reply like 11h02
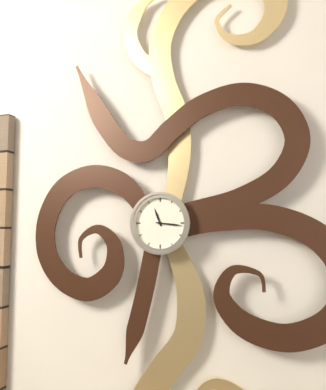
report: 11h16
